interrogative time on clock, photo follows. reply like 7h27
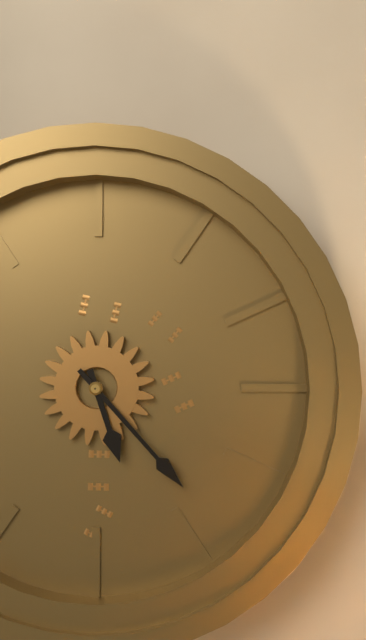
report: 5h23
